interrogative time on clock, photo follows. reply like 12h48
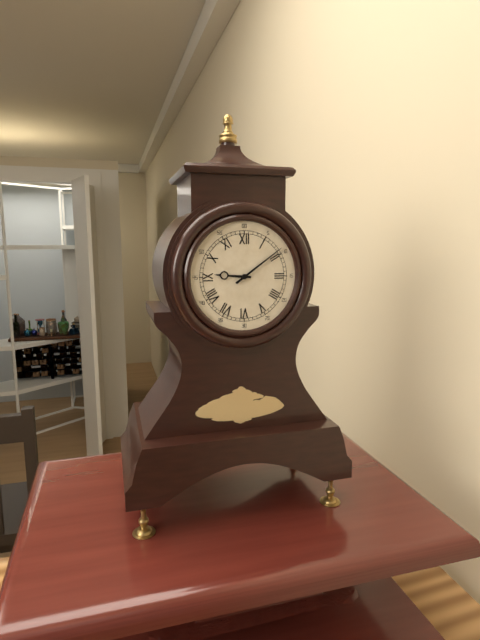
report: 9h09
